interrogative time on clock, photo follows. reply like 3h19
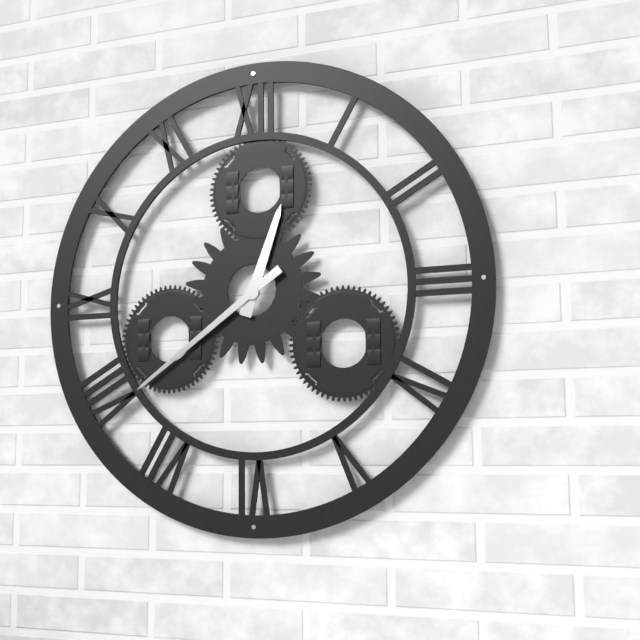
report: 12h39
